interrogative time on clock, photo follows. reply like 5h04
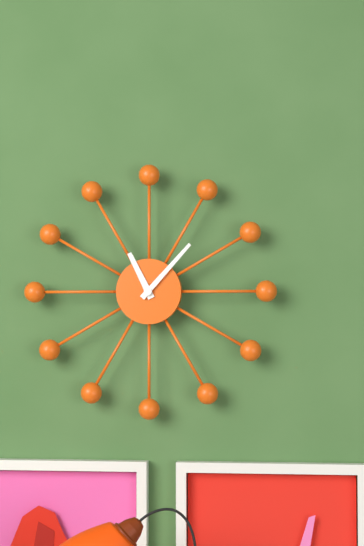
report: 11h07
